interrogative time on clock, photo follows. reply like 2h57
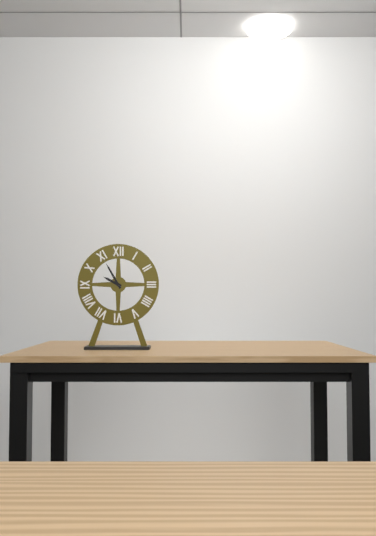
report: 9h55
